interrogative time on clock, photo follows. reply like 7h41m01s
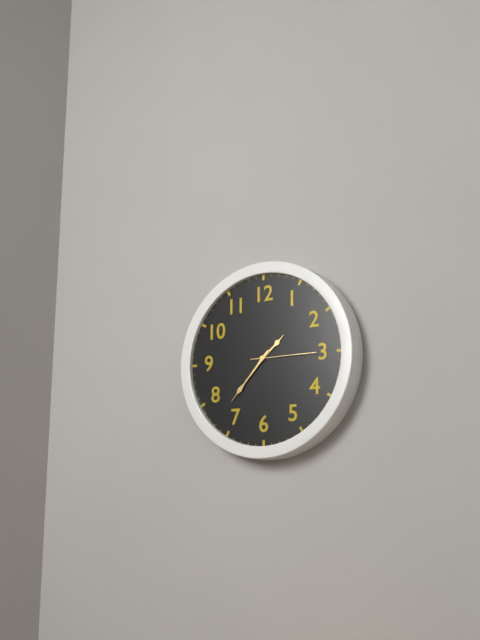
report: 1h37m15s
